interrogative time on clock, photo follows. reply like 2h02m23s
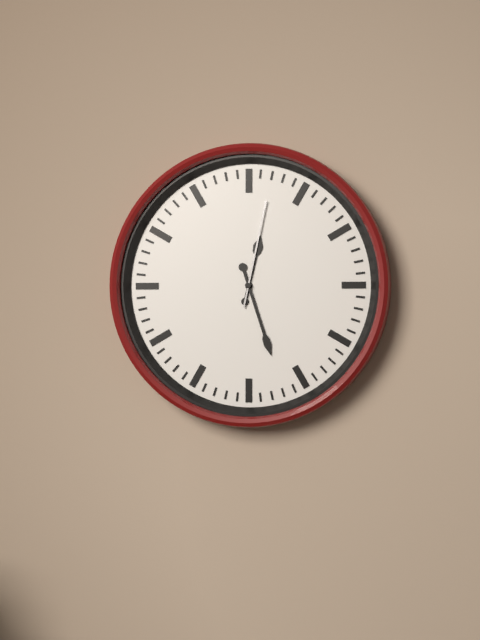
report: 12h27m02s
